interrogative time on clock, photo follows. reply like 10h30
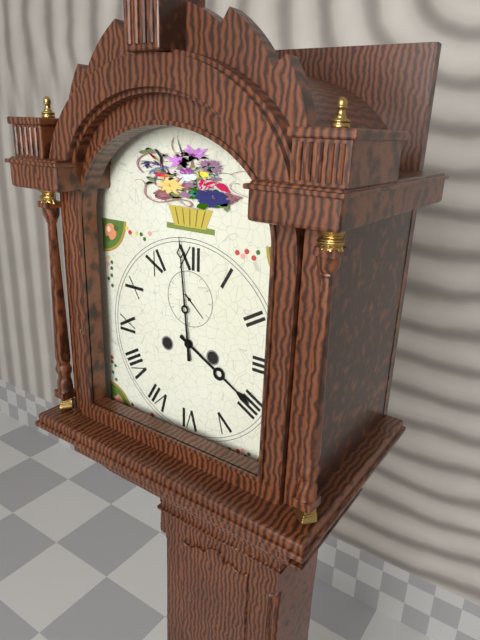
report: 3h59
